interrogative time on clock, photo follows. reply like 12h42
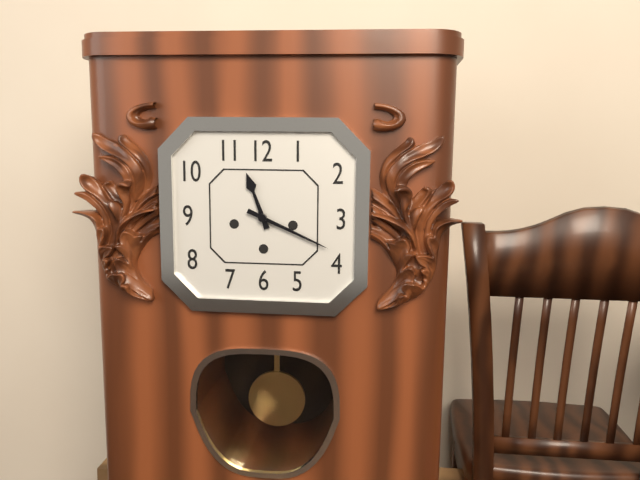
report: 11h19
